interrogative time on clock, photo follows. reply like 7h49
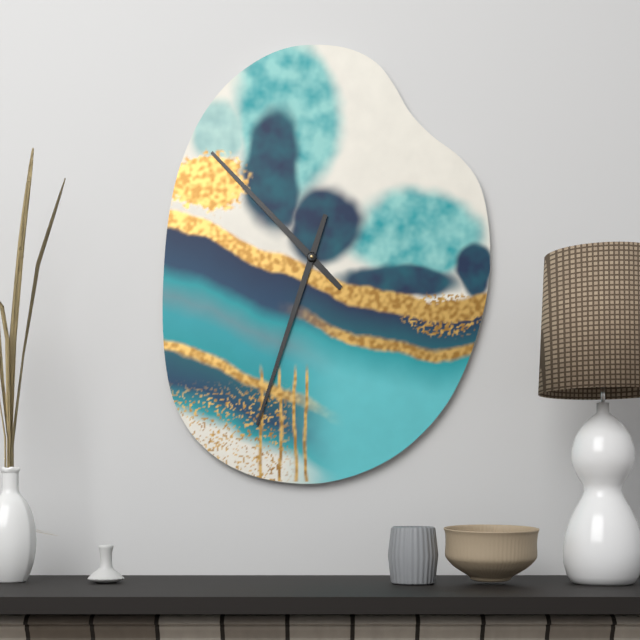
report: 10h33
